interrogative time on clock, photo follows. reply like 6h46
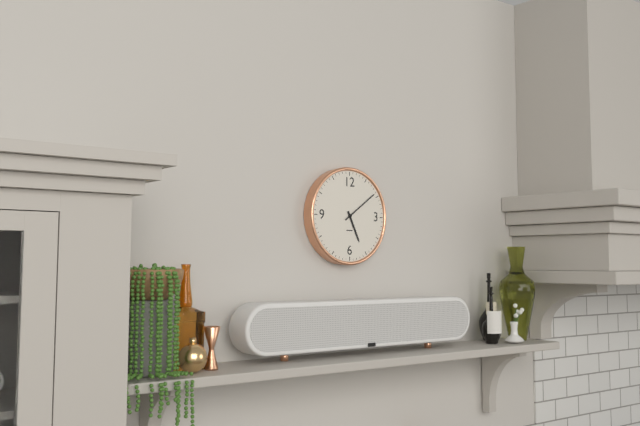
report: 5h09
